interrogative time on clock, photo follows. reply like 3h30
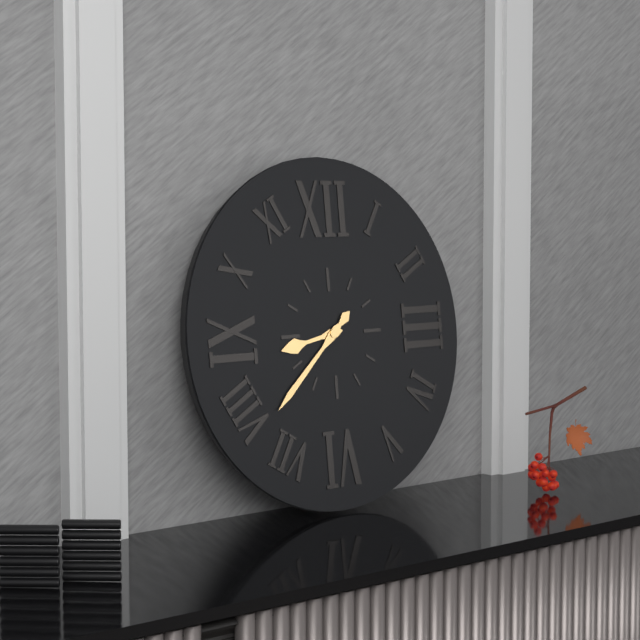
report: 8h38
